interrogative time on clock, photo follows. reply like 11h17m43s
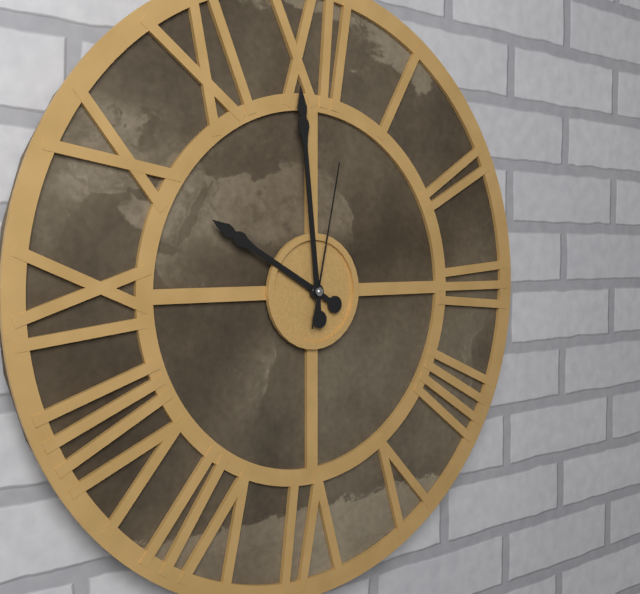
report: 9h59m02s
